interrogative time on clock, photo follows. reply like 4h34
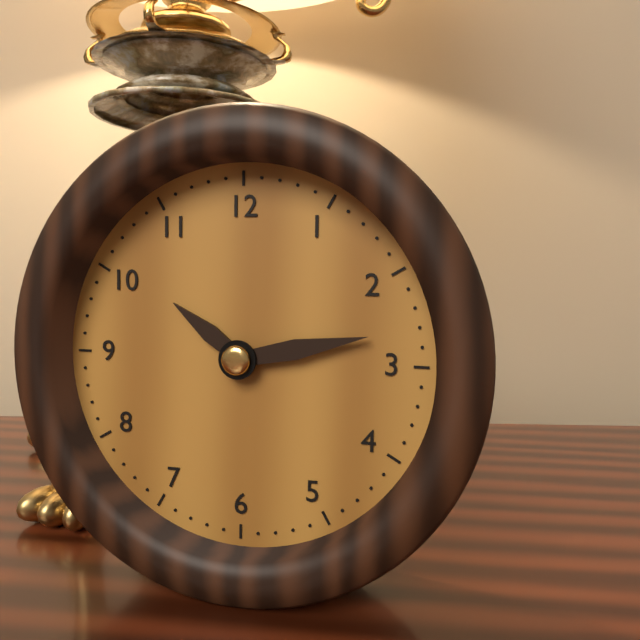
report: 10h13
